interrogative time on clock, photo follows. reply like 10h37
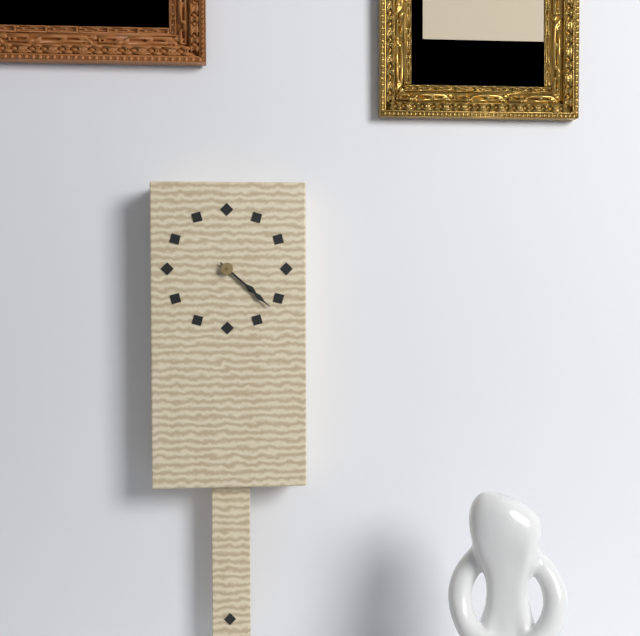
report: 4h22
